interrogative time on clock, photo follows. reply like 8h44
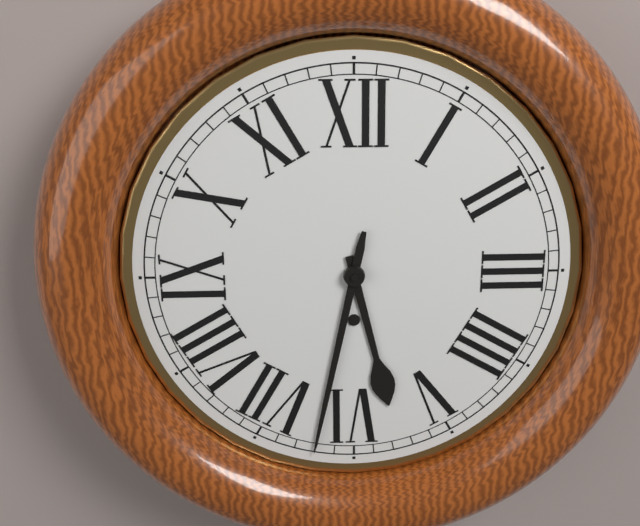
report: 5h32
